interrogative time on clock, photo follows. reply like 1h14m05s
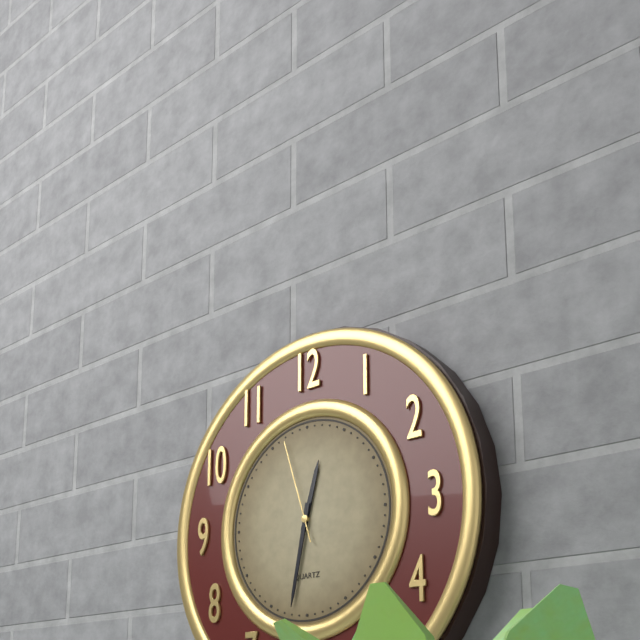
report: 12h32m57s
